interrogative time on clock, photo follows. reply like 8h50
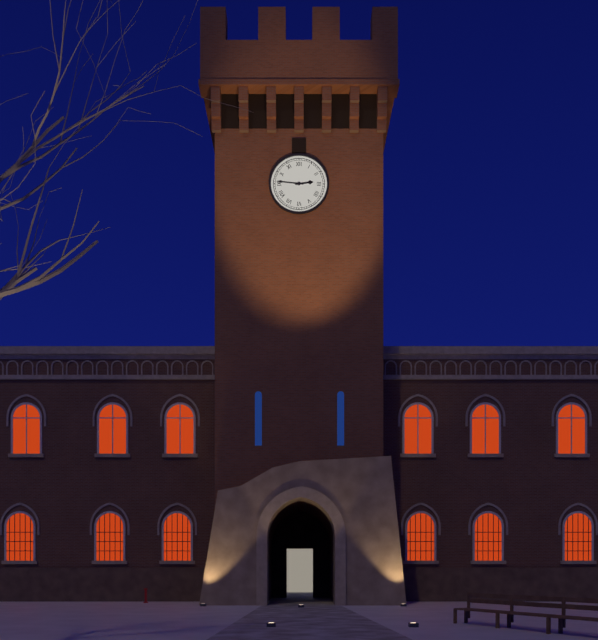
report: 2h46
